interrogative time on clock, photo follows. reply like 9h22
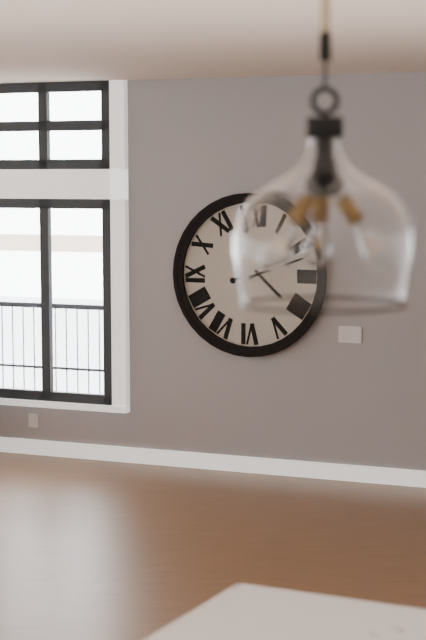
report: 4h12
